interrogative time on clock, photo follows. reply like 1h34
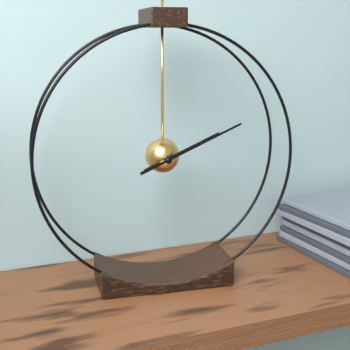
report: 2h11
